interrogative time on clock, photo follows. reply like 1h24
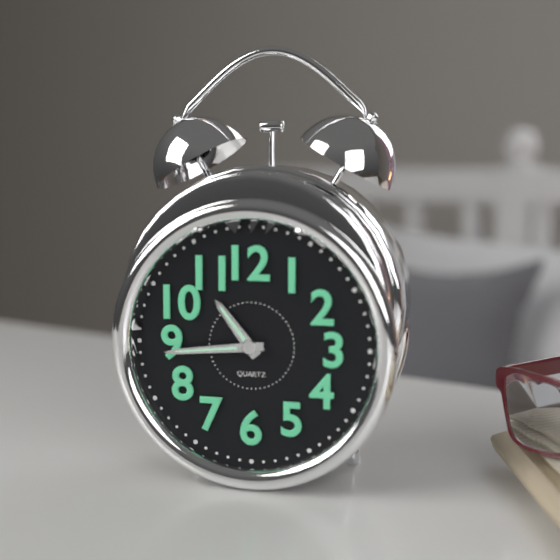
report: 10h44
